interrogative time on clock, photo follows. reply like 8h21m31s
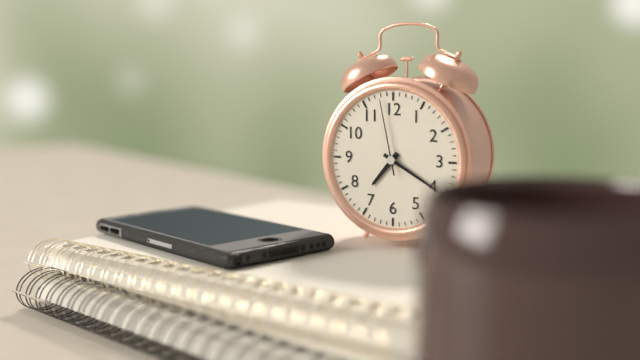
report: 7h20m58s
